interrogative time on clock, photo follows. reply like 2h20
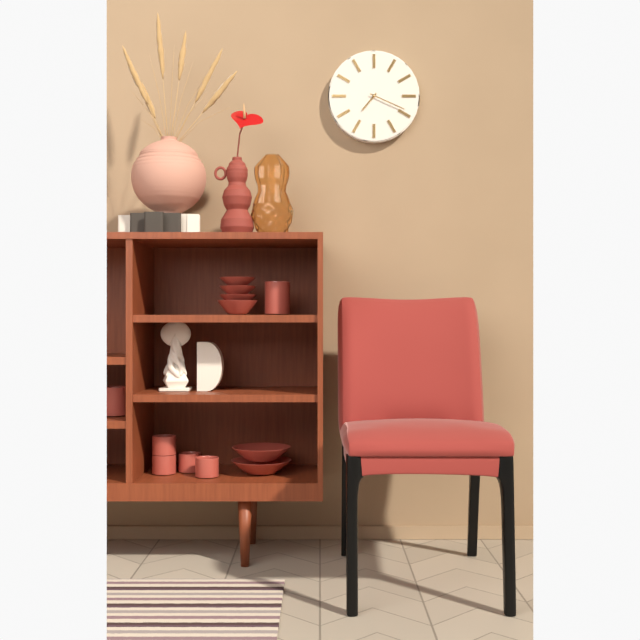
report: 7h19
